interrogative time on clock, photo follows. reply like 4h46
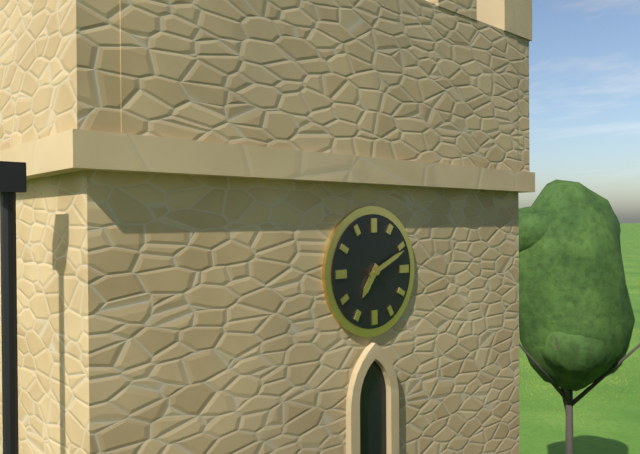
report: 7h11
